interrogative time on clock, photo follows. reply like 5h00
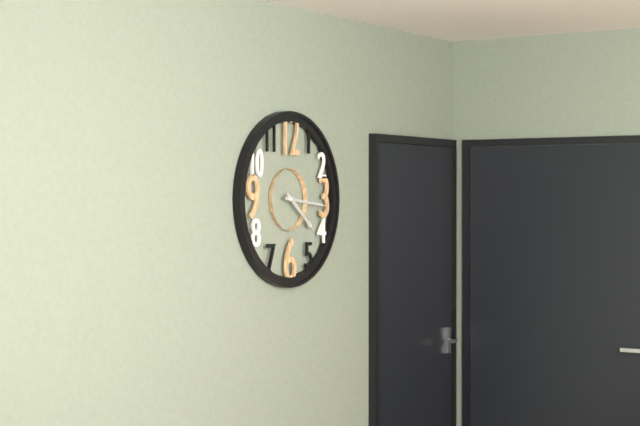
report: 4h16
